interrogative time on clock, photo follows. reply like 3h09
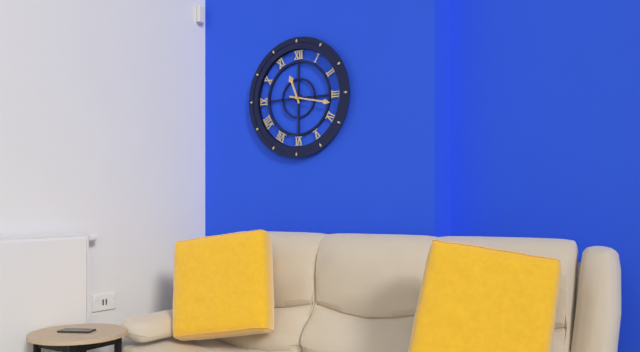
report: 11h17
